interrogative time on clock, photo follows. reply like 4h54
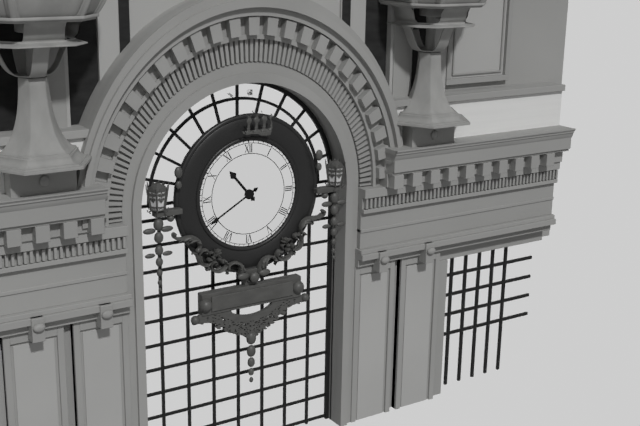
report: 10h40
